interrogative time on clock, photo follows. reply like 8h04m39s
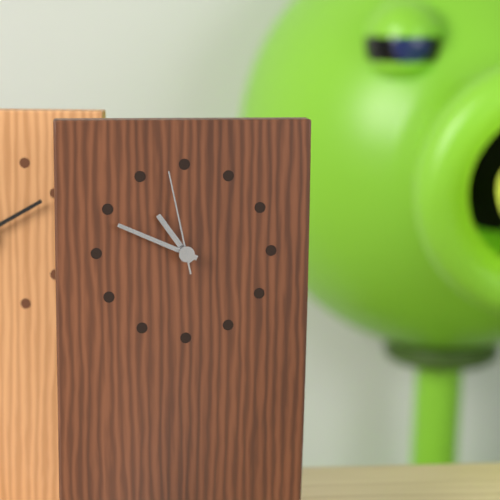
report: 10h49m58s
